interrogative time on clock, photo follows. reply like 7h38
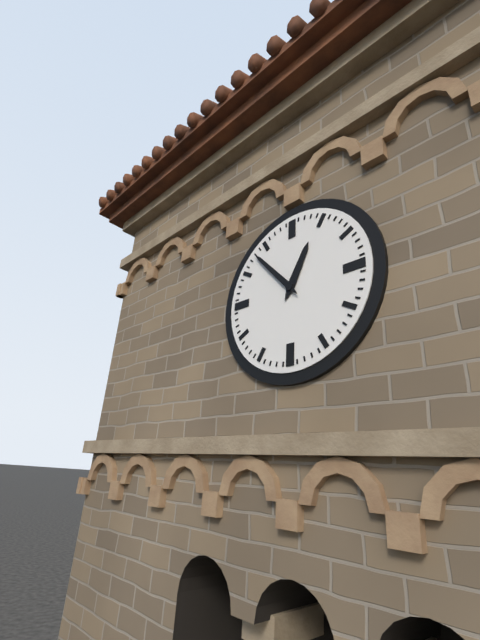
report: 12h53
